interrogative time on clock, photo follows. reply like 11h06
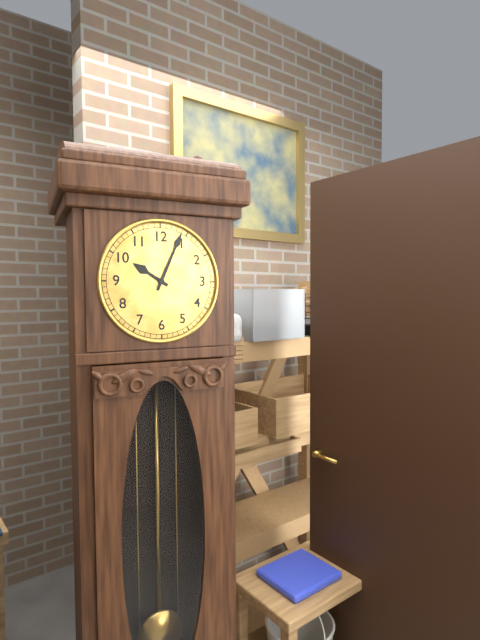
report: 10h04
